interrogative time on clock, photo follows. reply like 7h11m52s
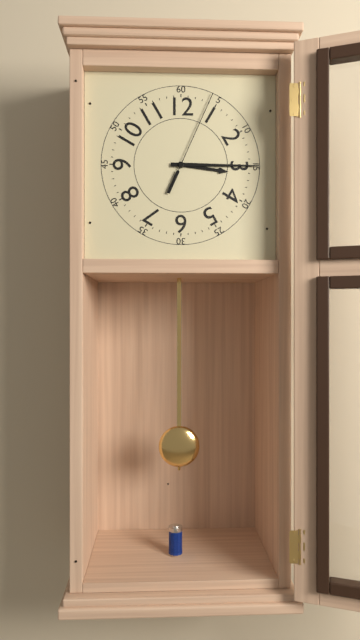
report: 3h15m04s
